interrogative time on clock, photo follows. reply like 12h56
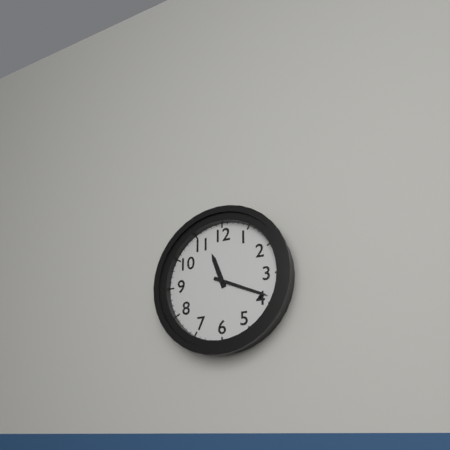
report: 11h19
